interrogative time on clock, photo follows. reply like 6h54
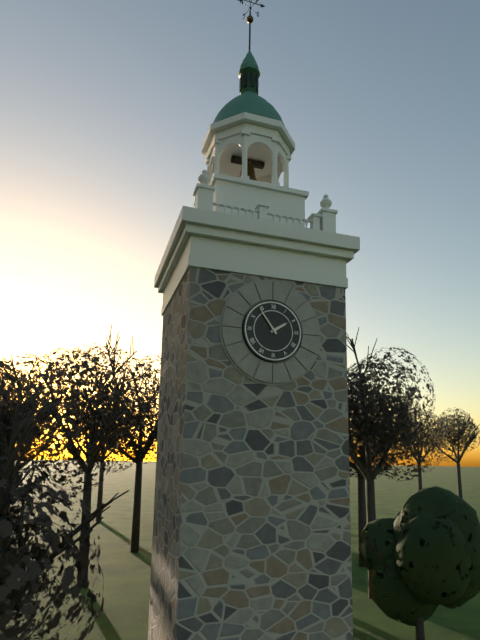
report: 1h54
